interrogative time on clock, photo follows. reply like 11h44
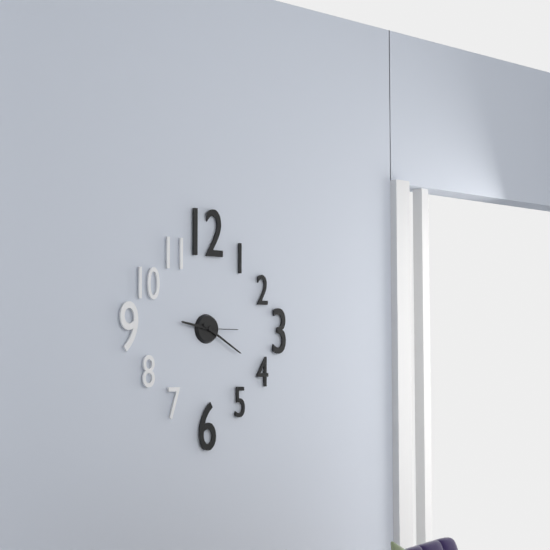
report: 9h20
